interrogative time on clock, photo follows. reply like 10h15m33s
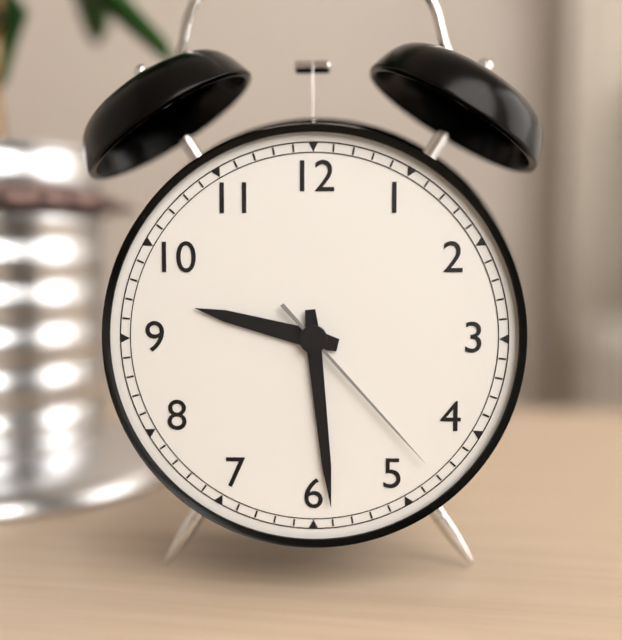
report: 9h29m23s
